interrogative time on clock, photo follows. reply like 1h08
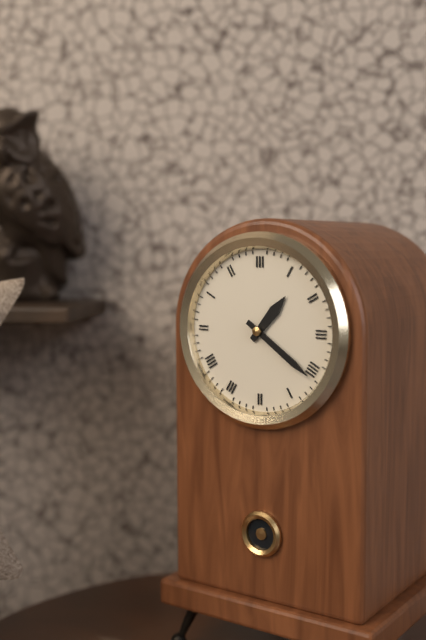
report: 1h21
